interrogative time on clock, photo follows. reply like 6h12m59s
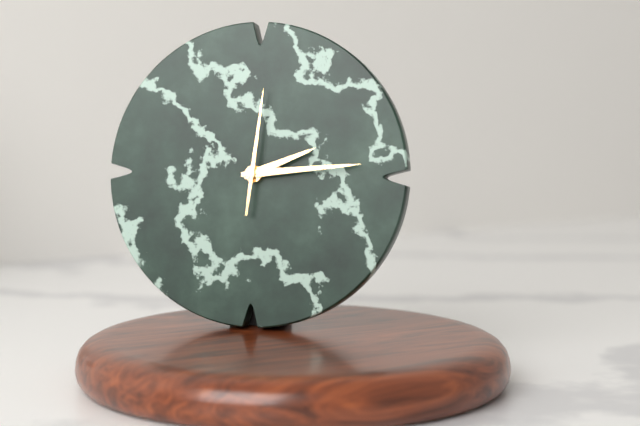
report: 2h14m01s
